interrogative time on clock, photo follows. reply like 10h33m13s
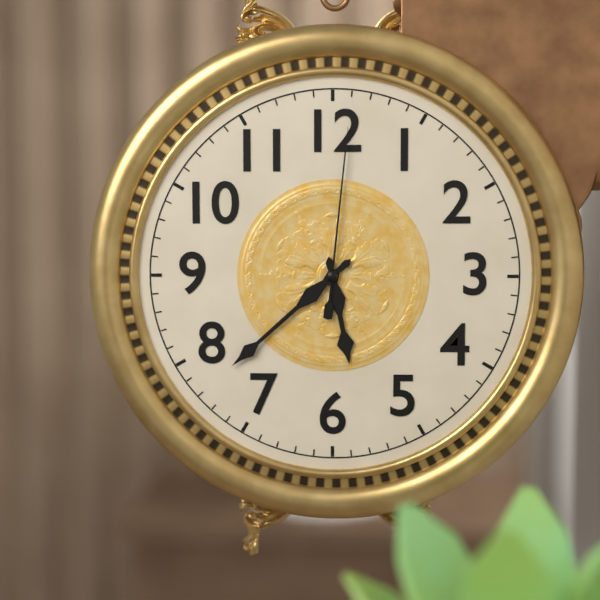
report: 5h38m01s
